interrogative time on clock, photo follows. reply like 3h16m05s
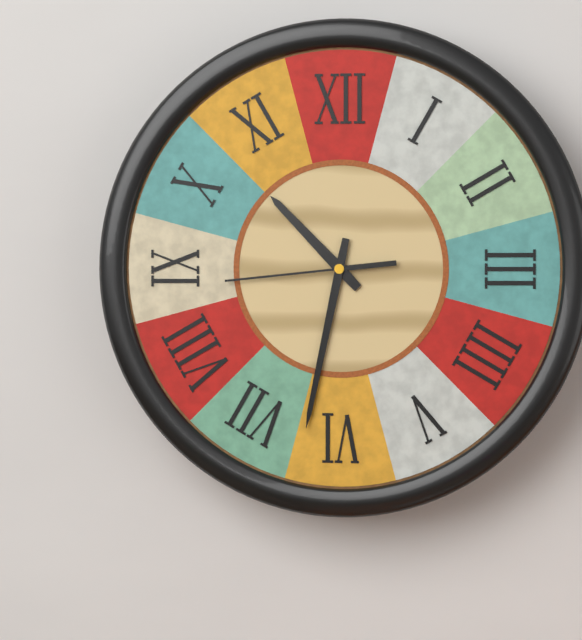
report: 10h32m44s
